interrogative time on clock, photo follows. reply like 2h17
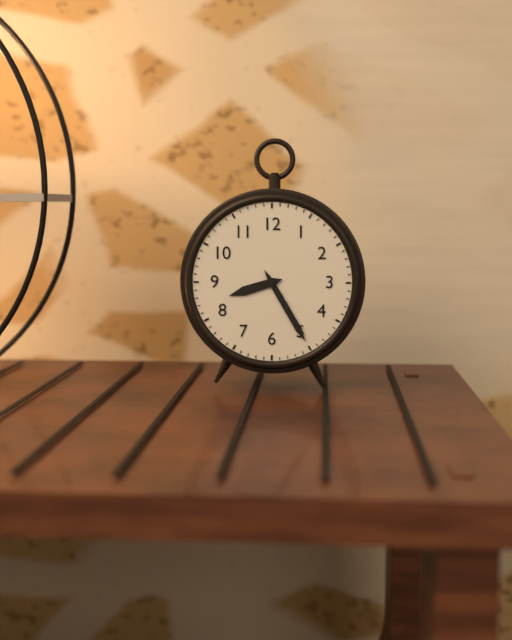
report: 8h25
